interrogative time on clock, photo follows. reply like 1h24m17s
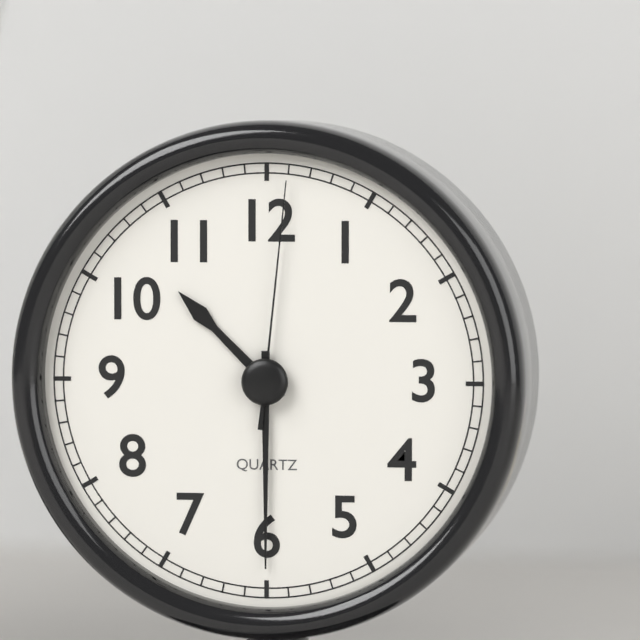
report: 10h30m01s
